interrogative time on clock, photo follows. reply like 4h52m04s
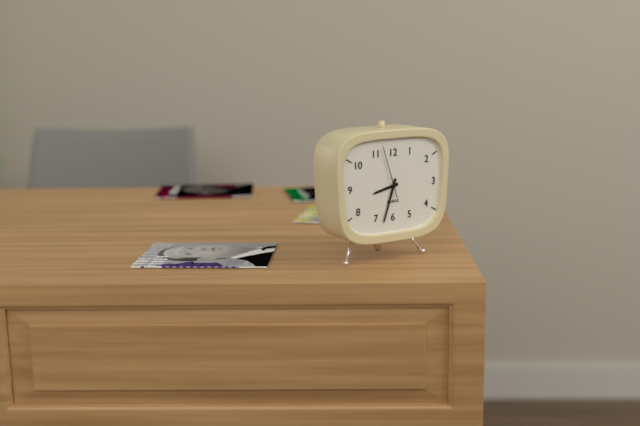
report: 8h33m57s
